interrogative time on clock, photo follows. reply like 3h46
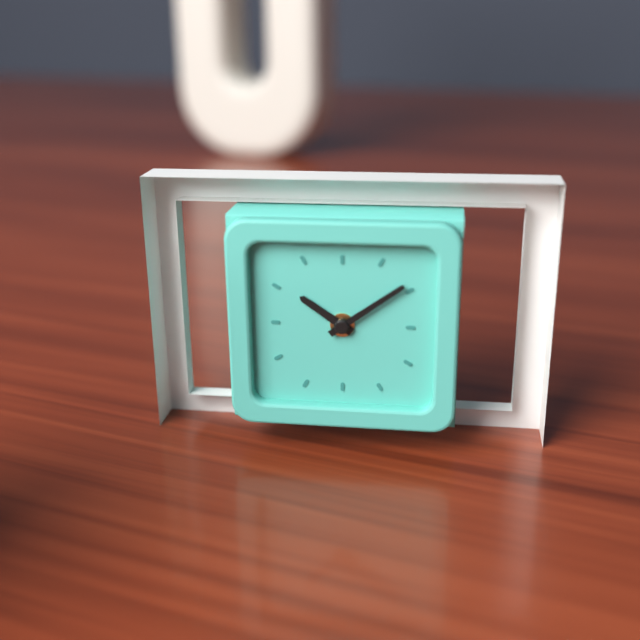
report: 10h09
